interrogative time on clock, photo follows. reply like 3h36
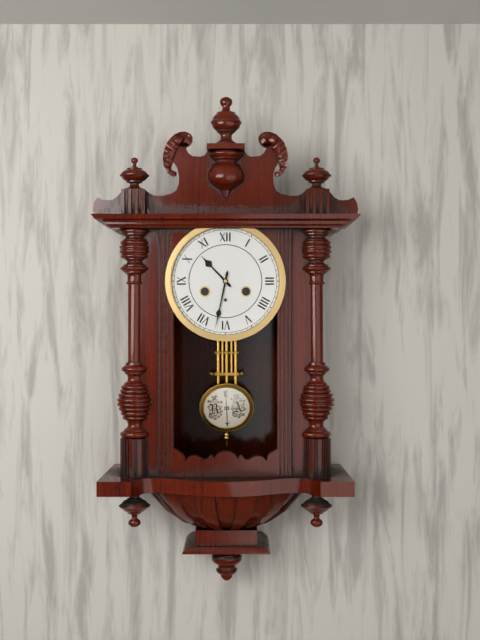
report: 10h32
